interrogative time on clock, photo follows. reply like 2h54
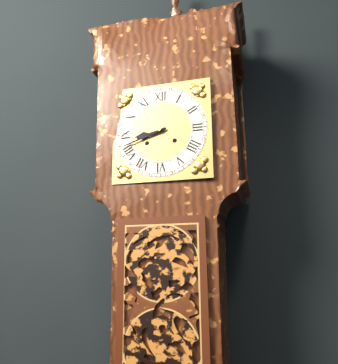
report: 8h42
